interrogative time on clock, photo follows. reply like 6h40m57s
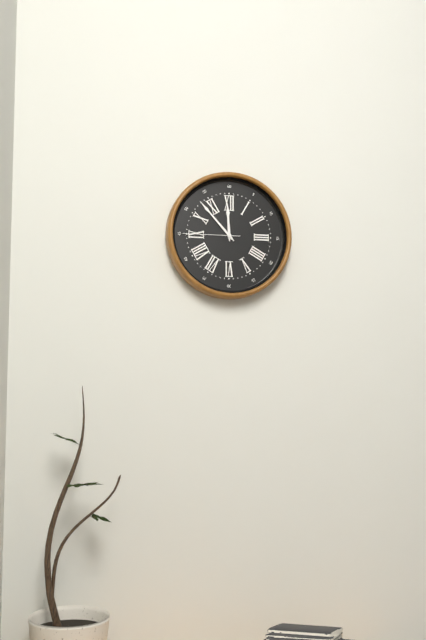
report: 11h53m45s
